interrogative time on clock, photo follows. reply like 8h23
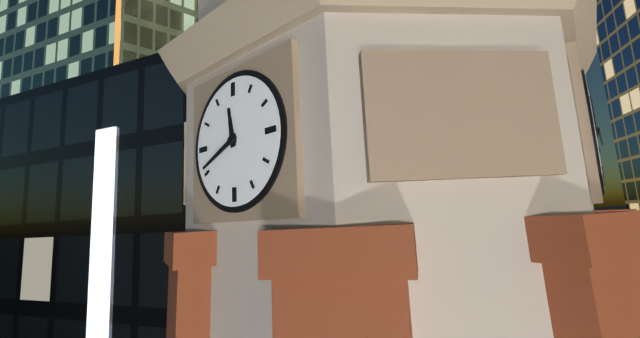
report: 11h41
